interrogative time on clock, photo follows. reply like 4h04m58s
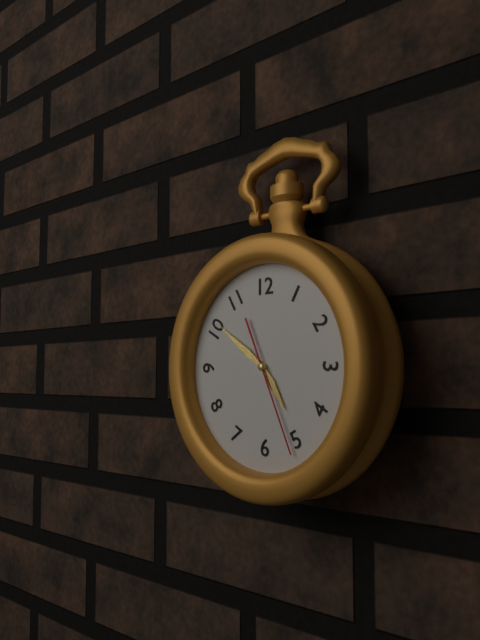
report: 4h51m26s
